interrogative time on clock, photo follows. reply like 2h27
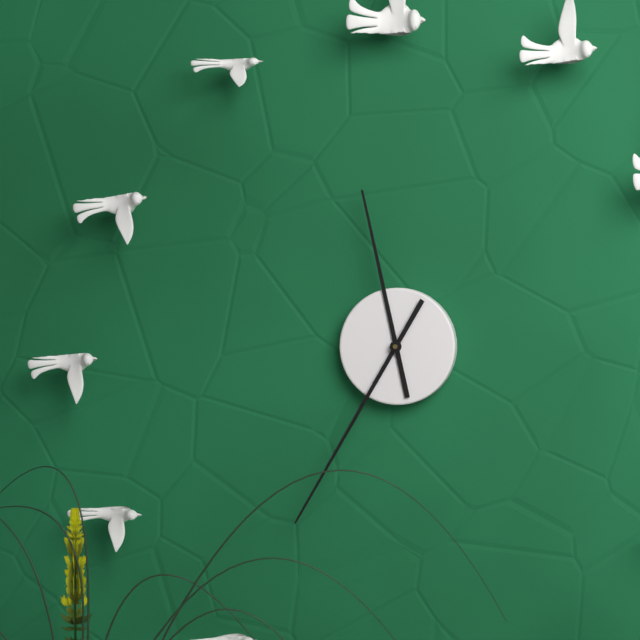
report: 11h35
